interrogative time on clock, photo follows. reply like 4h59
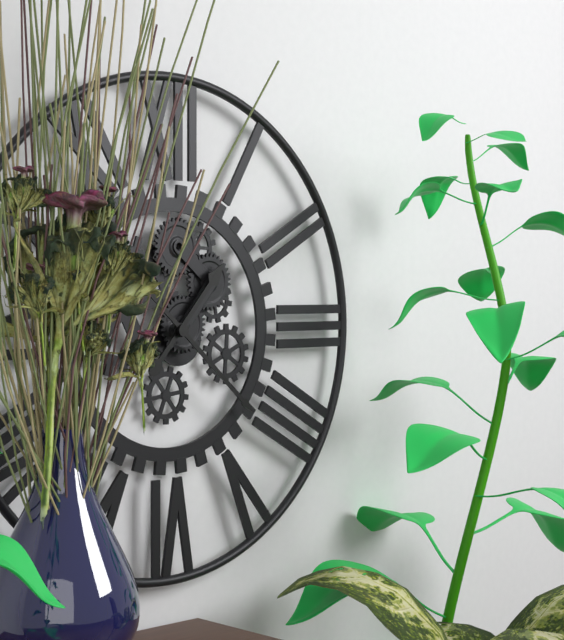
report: 1h22
